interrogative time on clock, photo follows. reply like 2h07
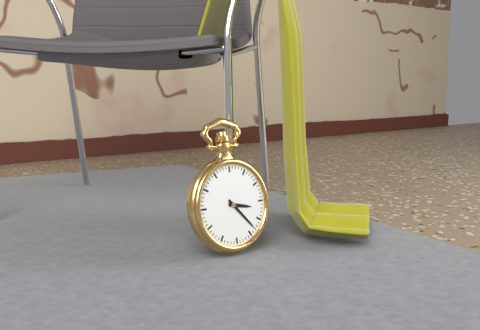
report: 3h23
